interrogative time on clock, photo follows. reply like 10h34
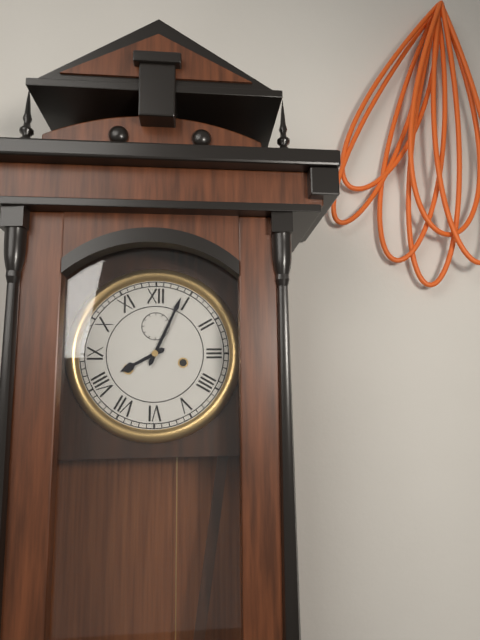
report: 8h04
